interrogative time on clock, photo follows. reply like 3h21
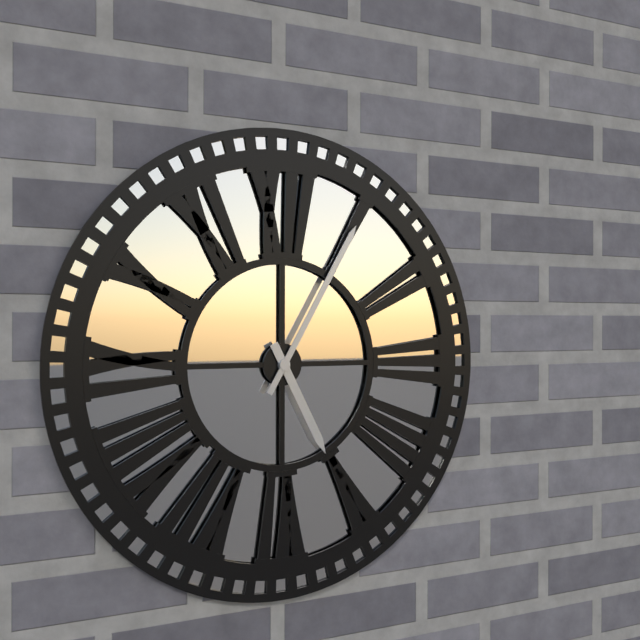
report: 5h05
